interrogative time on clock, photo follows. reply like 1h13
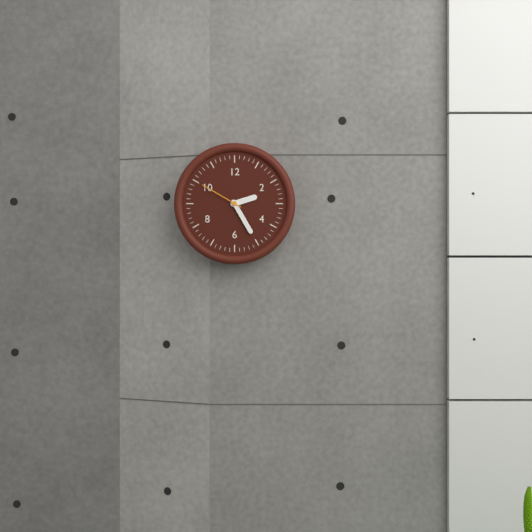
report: 2h25
